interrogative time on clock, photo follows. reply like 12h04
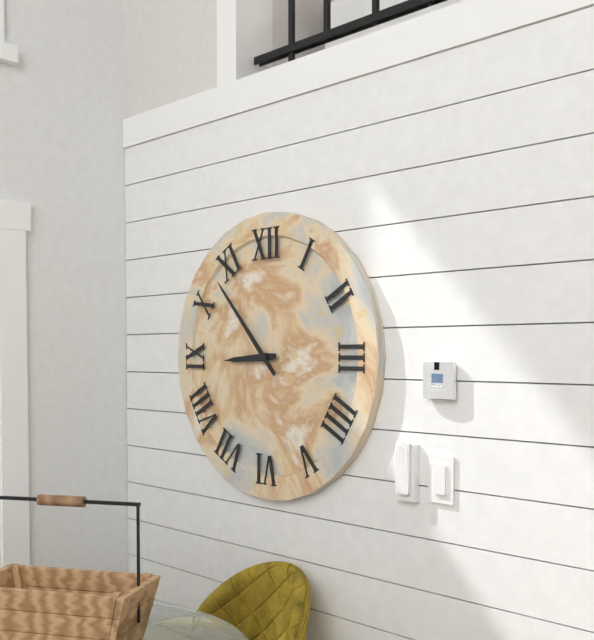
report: 8h53
